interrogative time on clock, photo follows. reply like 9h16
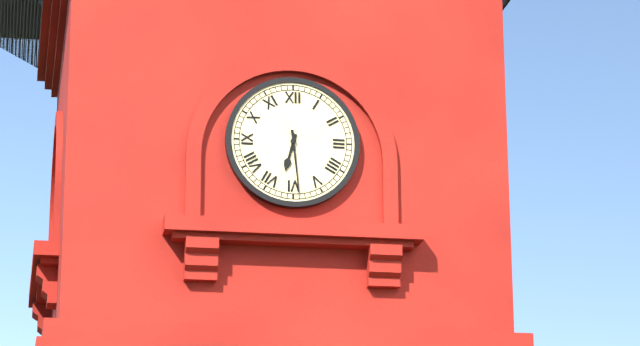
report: 6h29
